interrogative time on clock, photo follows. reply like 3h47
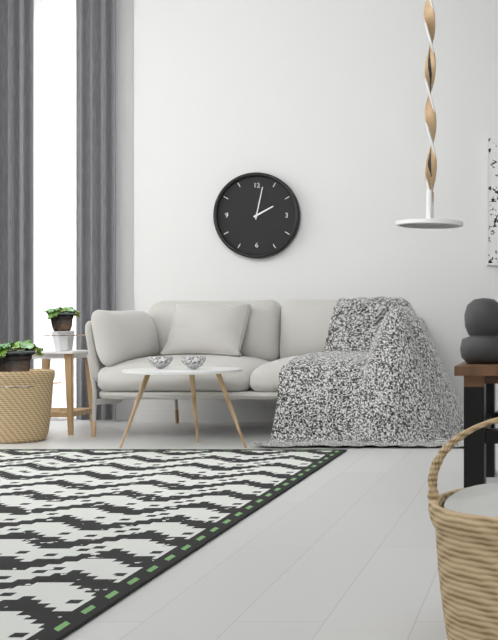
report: 2h02
